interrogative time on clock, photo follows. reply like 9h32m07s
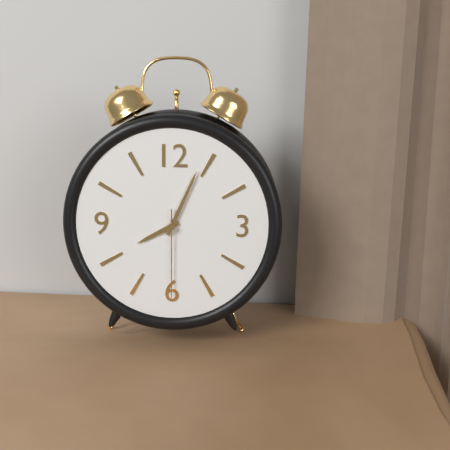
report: 8h04m30s
